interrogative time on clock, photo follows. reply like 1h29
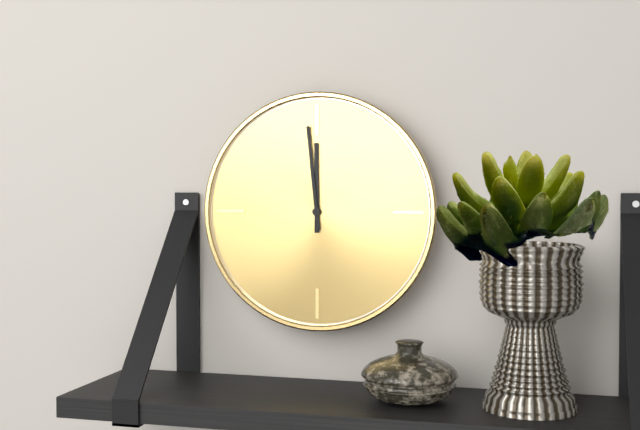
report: 11h59
